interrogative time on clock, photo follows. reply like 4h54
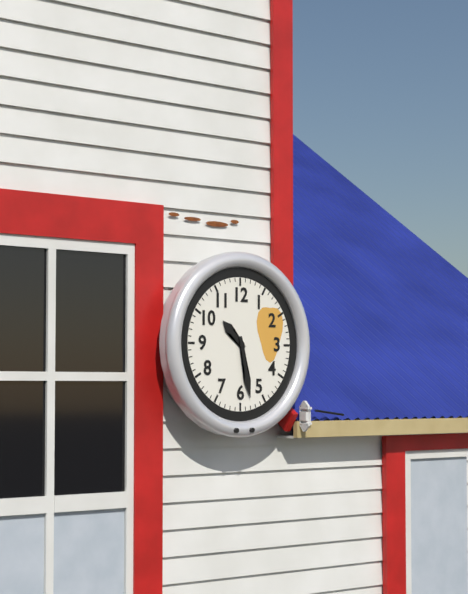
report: 10h28
